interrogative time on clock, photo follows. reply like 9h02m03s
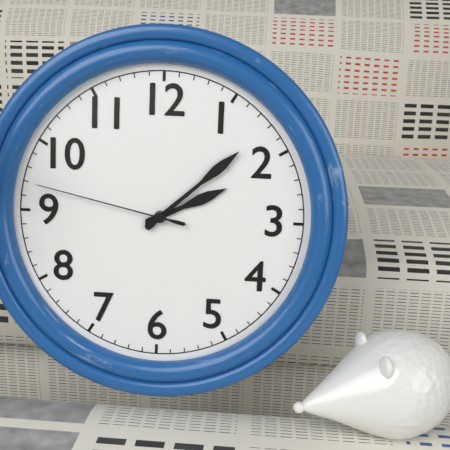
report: 2h08m47s
